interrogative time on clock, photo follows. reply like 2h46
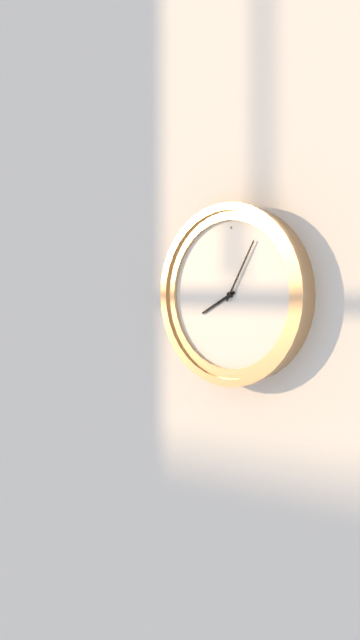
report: 8h05
